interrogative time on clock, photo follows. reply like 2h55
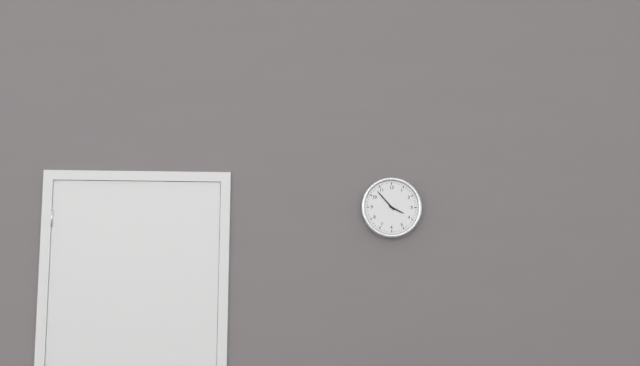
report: 3h53
